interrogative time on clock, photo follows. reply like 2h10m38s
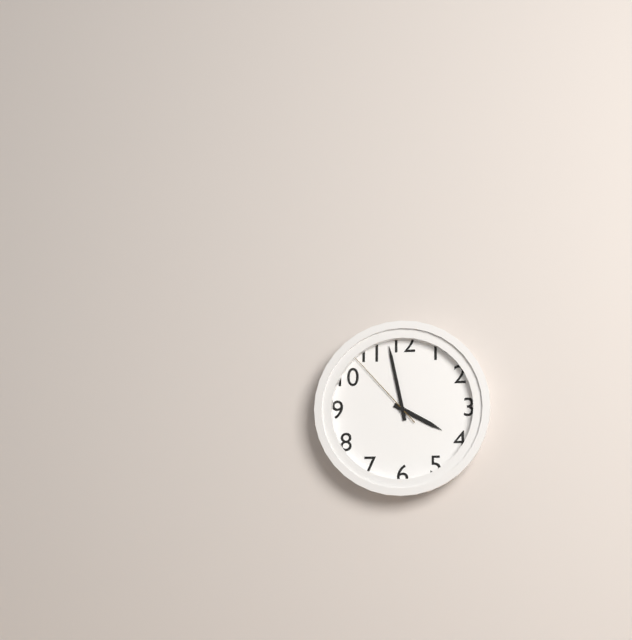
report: 3h58m53s
